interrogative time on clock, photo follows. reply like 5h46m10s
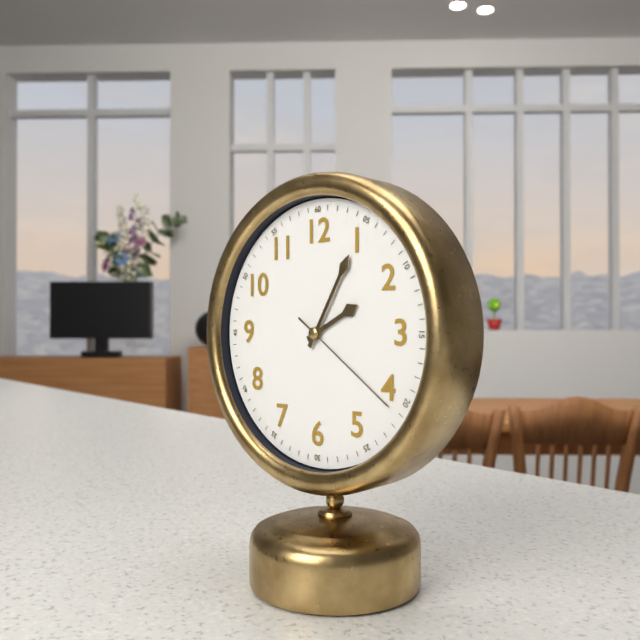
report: 2h05m21s
